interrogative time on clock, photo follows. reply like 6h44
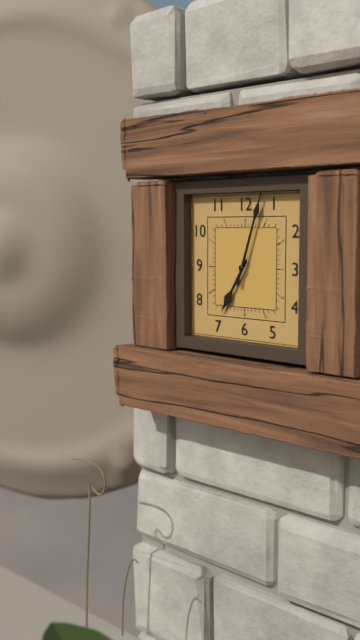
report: 7h03
